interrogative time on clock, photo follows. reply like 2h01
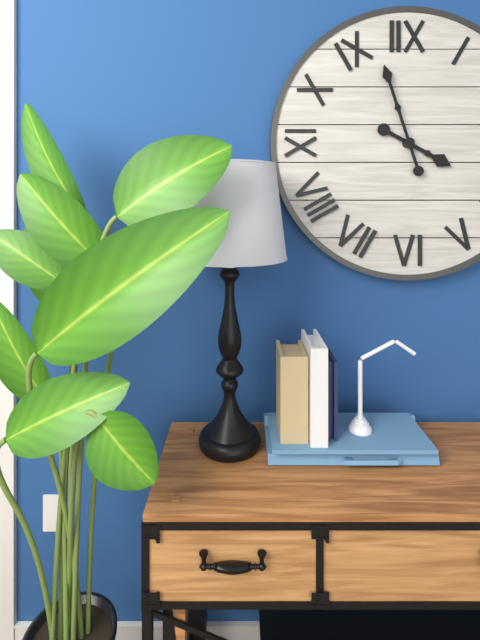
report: 3h57
